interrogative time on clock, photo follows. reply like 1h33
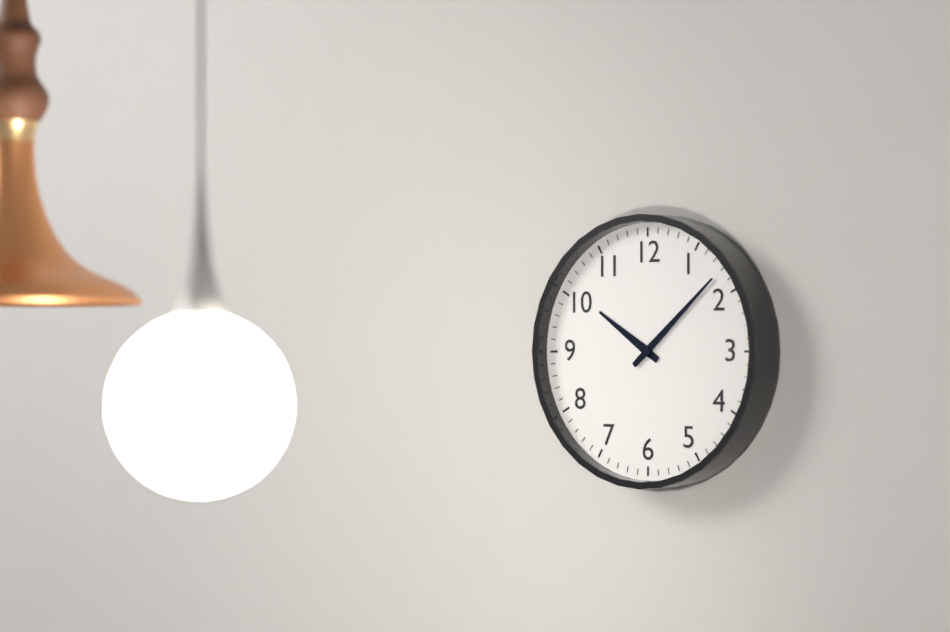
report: 10h08
